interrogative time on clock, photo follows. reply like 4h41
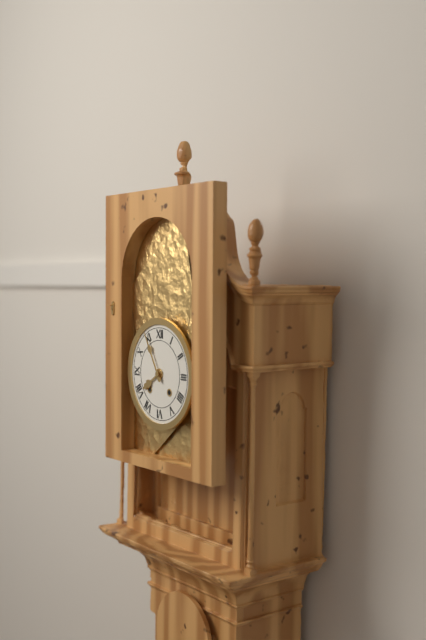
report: 7h55
